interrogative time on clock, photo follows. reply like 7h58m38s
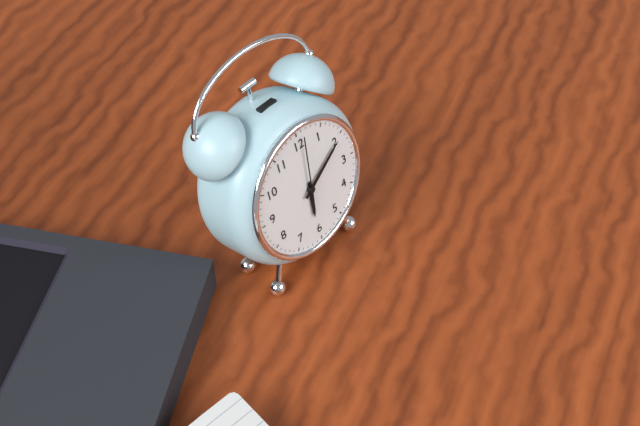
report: 6h10m01s
